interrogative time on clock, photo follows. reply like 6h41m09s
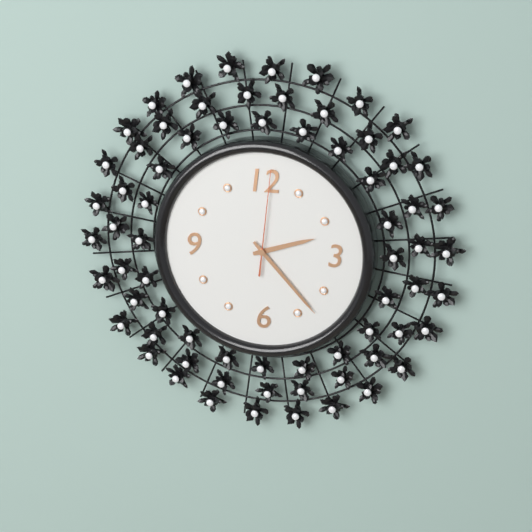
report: 2h23m01s
